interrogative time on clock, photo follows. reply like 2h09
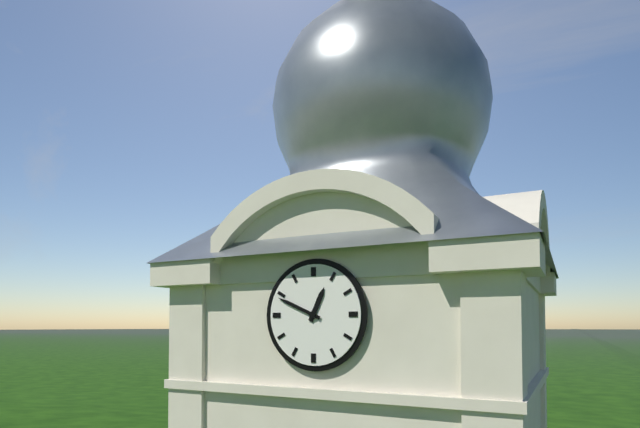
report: 12h49
